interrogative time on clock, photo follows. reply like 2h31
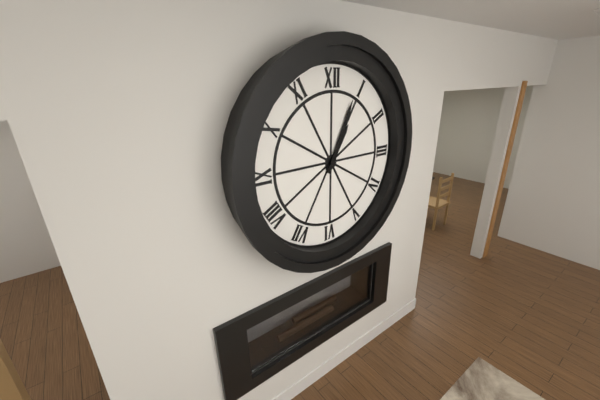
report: 1h04
